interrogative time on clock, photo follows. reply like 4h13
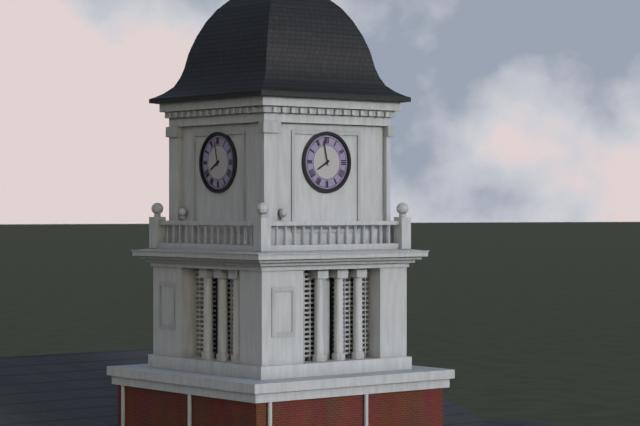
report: 7h58
